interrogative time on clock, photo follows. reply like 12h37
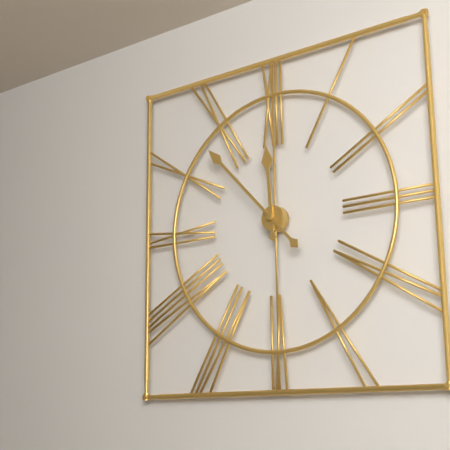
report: 11h53
